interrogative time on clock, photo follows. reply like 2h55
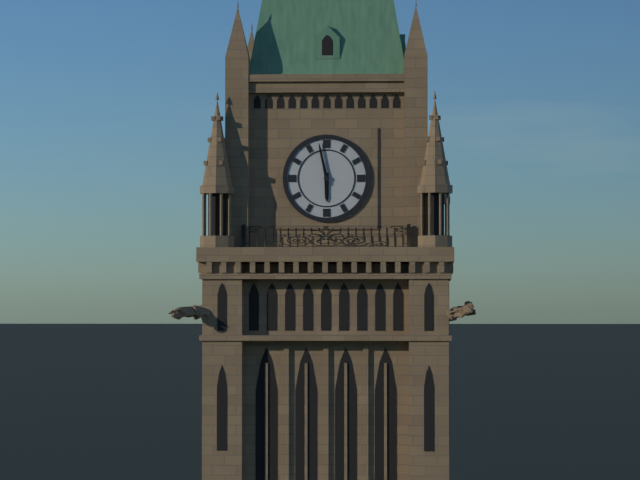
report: 5h58
